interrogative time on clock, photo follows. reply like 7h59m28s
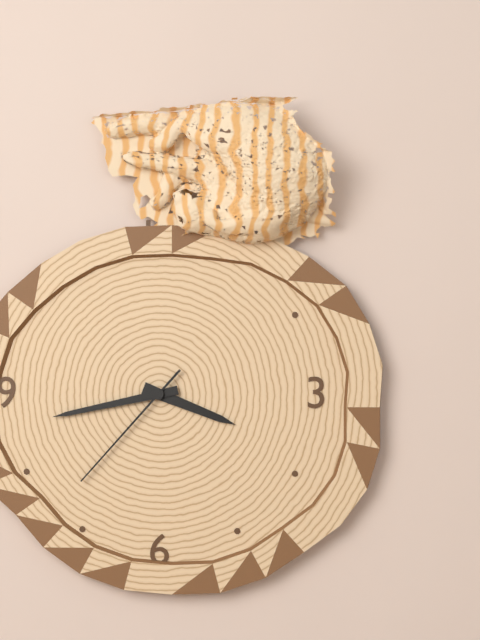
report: 3h43m37s
